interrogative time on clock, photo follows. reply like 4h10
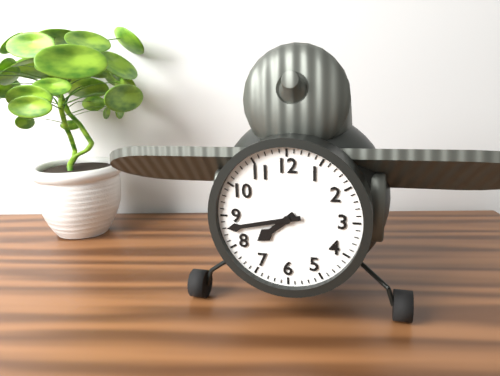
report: 7h43
